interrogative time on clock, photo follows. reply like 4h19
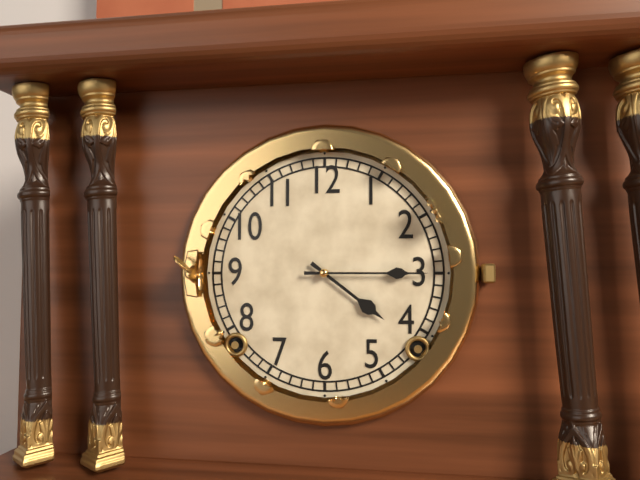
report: 4h15
